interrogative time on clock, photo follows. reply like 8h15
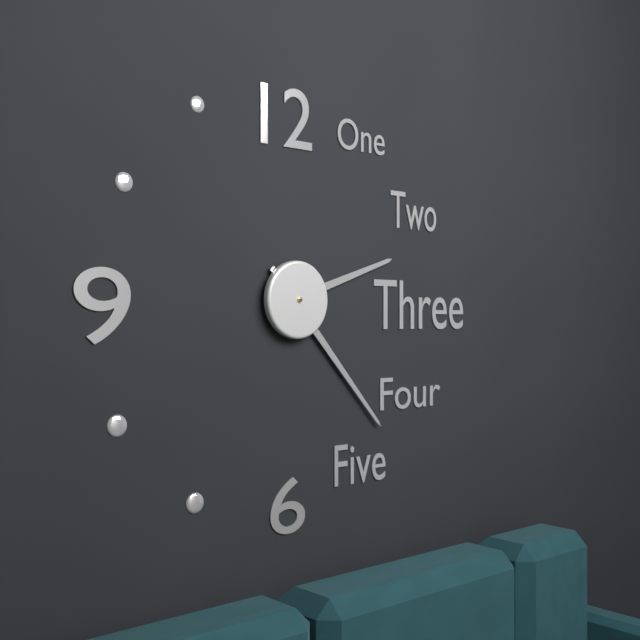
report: 2h23
